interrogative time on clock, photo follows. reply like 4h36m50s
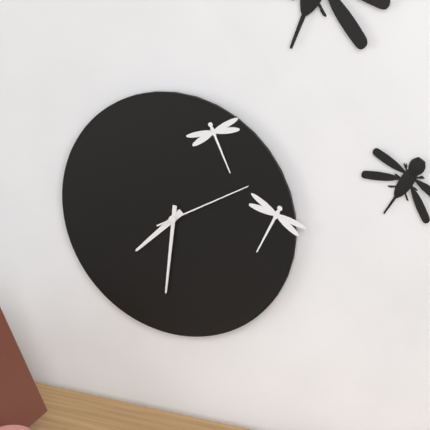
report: 7h31m10s
